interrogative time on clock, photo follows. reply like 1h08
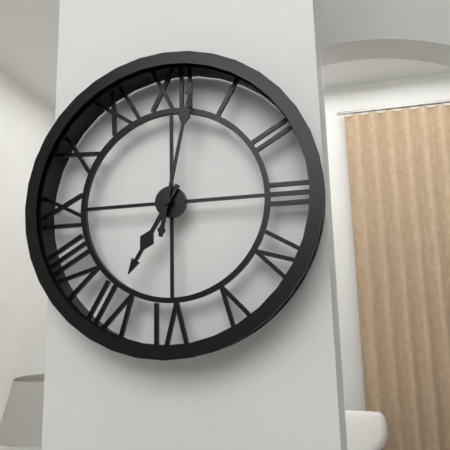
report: 7h02
